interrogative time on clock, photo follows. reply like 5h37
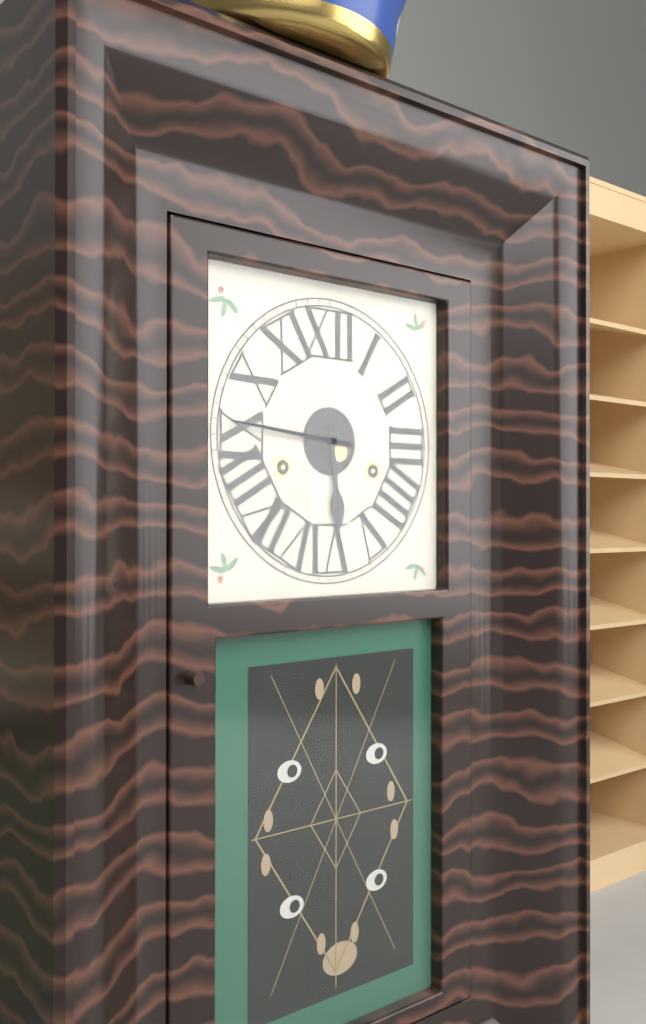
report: 5h46
